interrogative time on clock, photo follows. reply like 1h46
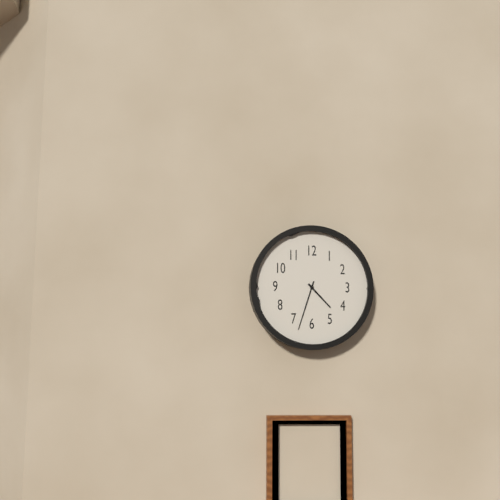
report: 4h33
